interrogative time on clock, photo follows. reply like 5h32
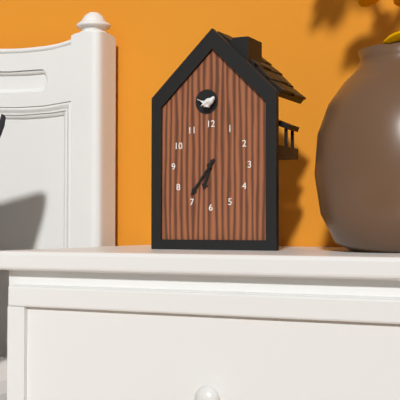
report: 6h36
